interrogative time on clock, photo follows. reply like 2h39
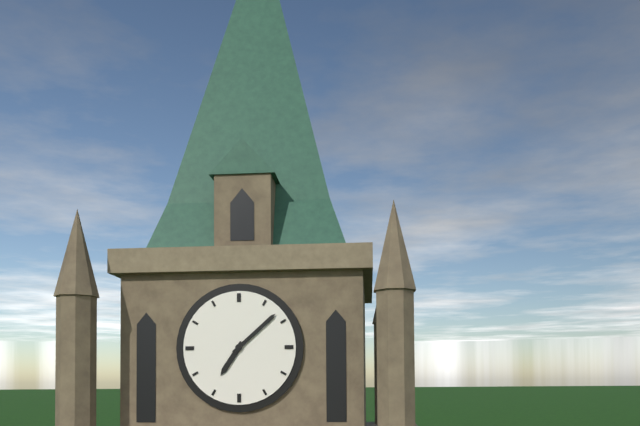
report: 7h08
